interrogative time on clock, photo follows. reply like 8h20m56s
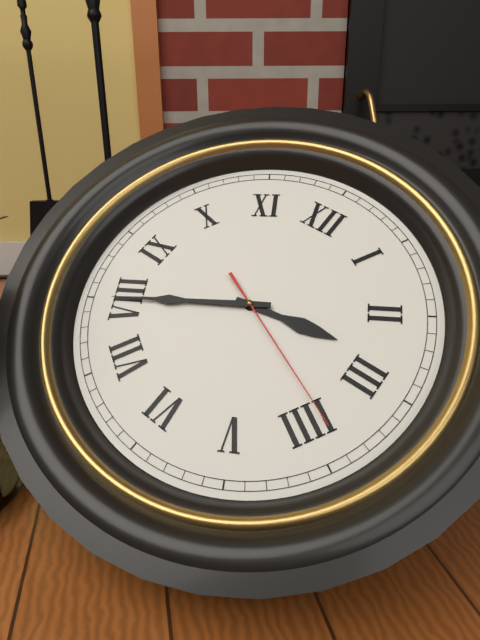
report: 2h40m19s
